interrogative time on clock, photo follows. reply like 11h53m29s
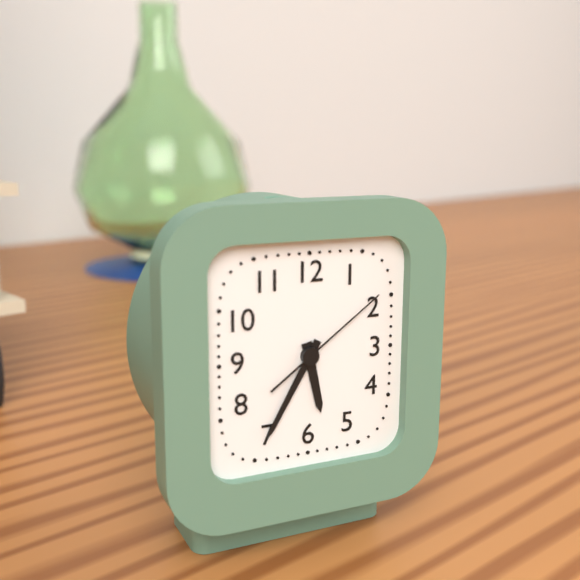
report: 5h35m09s
